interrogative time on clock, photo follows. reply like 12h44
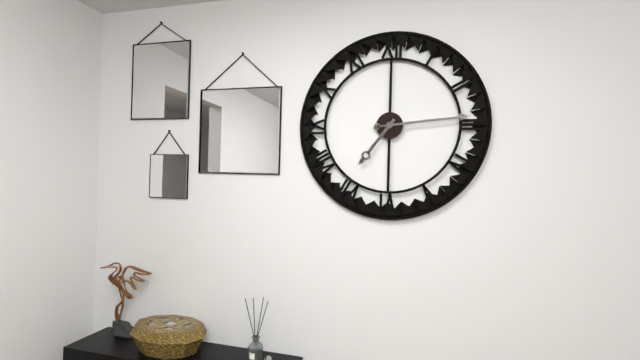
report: 7h14
